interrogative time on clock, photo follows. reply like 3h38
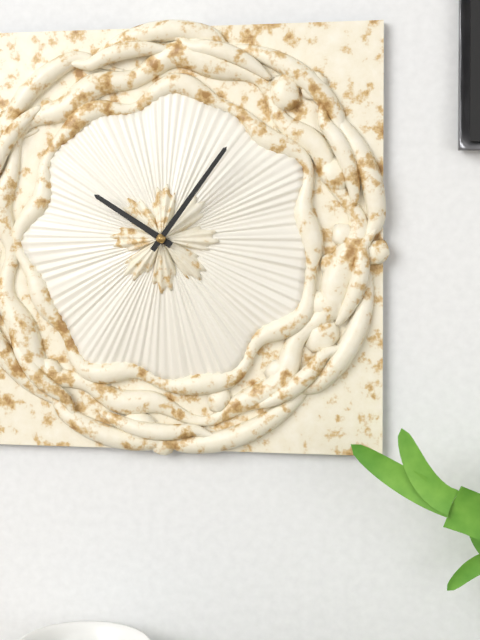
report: 10h06
